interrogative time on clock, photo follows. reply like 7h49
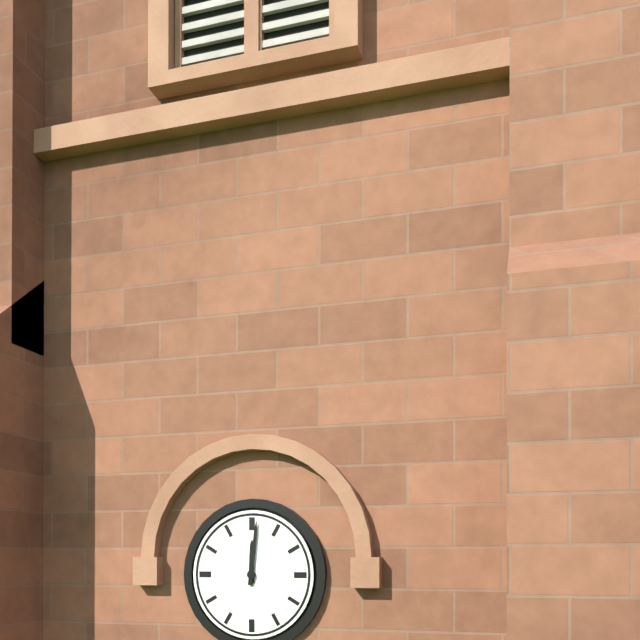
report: 12h01
